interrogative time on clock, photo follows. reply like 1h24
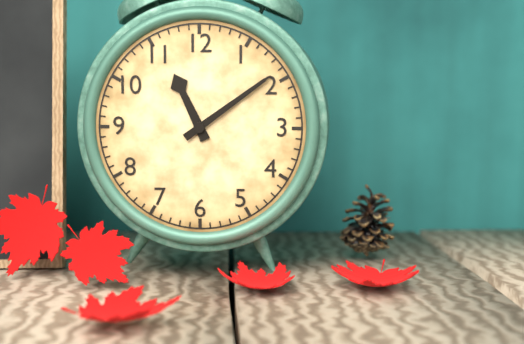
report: 11h09
